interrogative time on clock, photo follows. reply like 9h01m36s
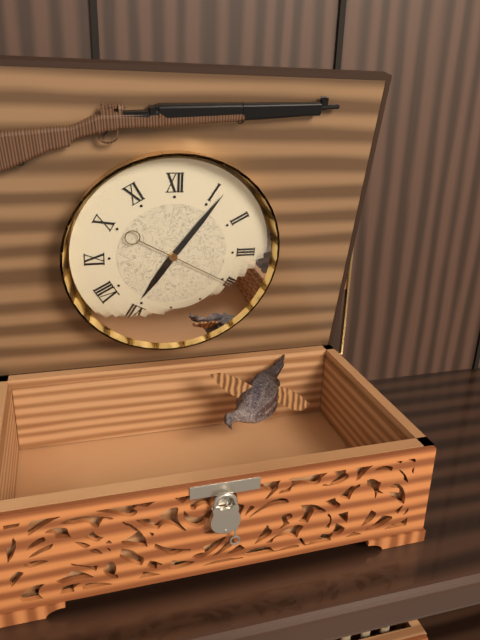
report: 7h06m20s
